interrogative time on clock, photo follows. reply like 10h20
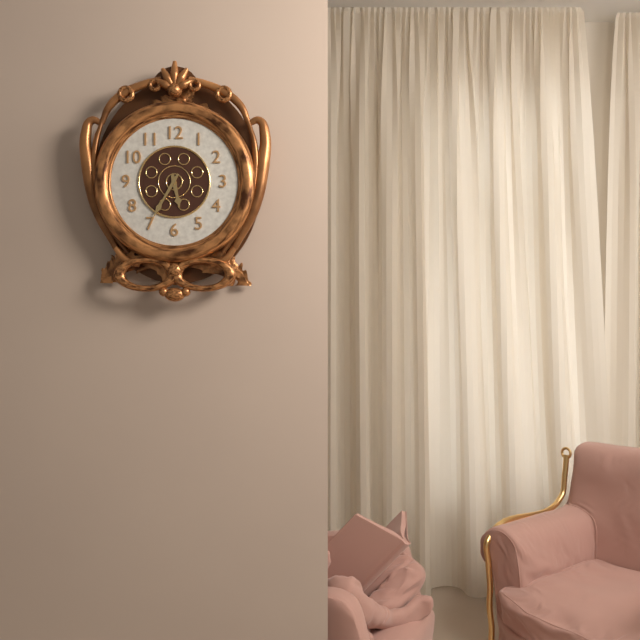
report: 5h35
